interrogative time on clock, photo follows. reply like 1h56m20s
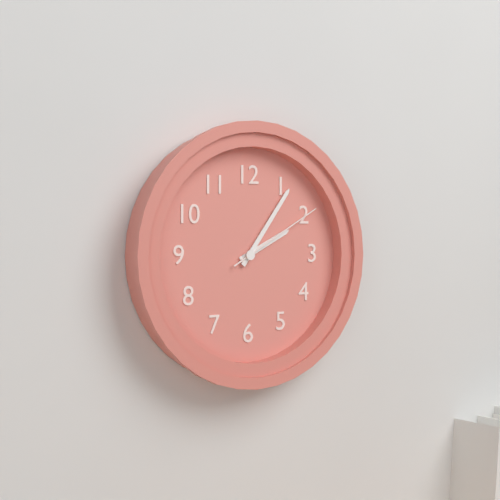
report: 2h06m10s
